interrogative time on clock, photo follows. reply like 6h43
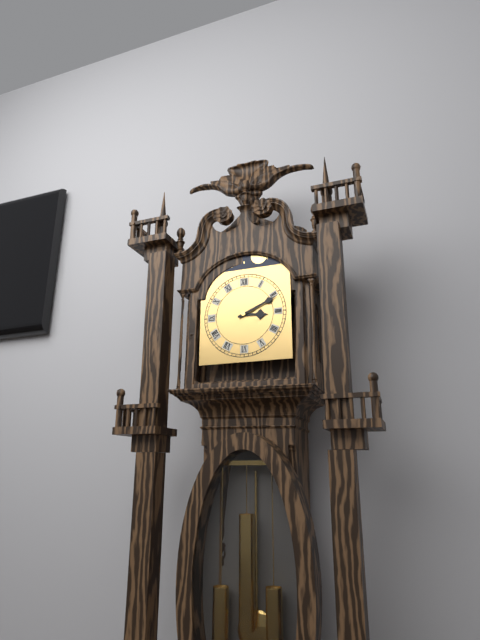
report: 3h11
